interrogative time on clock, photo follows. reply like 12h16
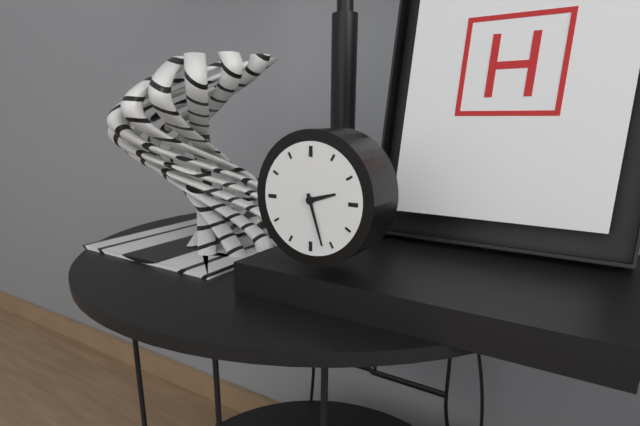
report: 2h27
